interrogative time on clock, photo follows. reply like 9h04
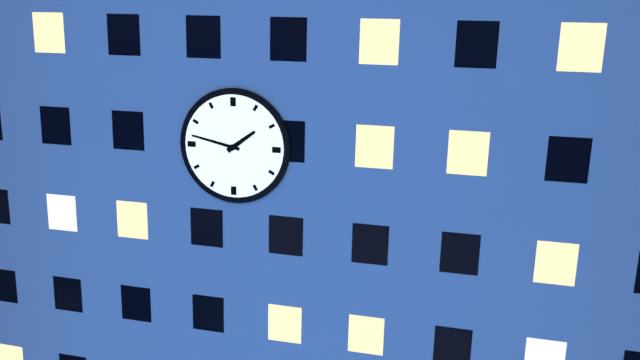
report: 1h47
